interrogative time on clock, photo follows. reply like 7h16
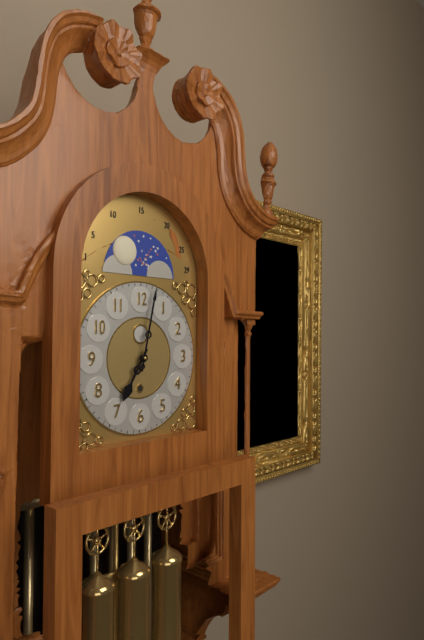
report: 7h02
